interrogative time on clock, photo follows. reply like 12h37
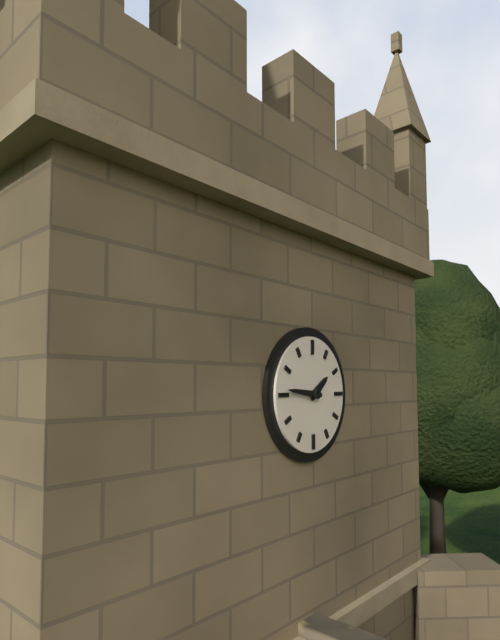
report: 1h46
